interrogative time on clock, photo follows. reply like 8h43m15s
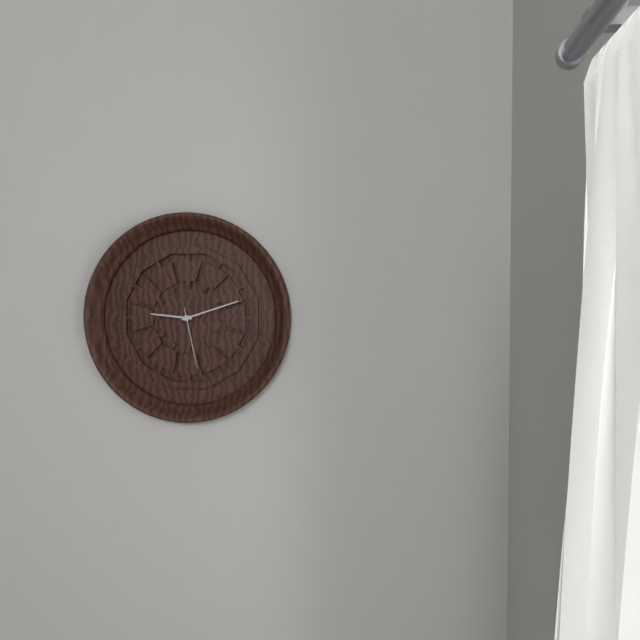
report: 9h12m28s
